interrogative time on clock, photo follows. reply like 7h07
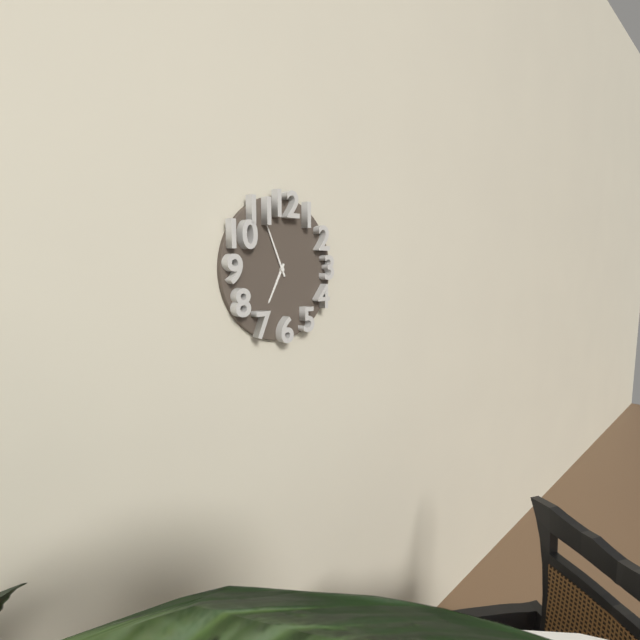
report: 6h56
